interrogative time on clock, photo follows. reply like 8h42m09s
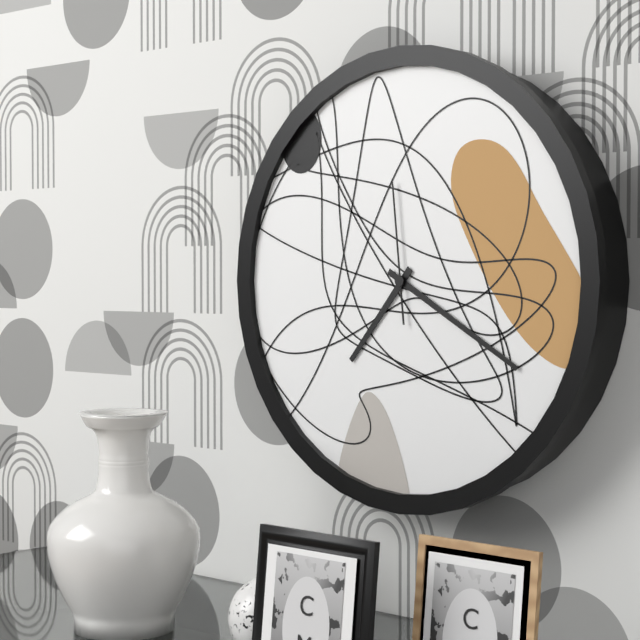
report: 7h20m59s
